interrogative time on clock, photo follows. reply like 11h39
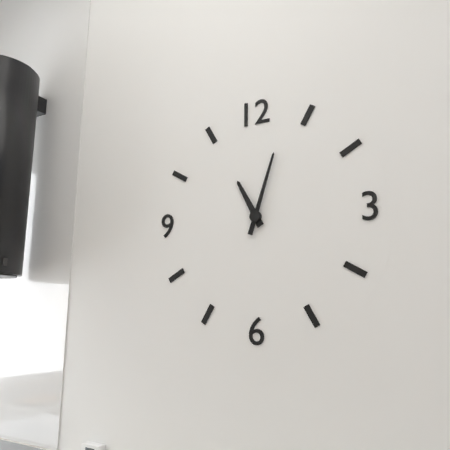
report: 11h03
